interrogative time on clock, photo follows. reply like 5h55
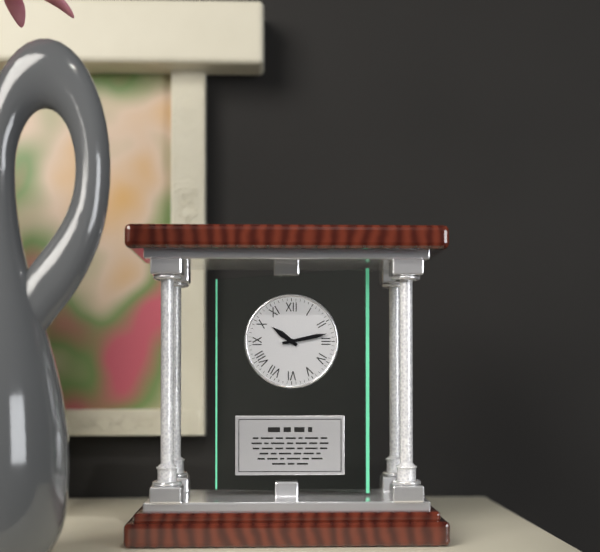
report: 10h13
